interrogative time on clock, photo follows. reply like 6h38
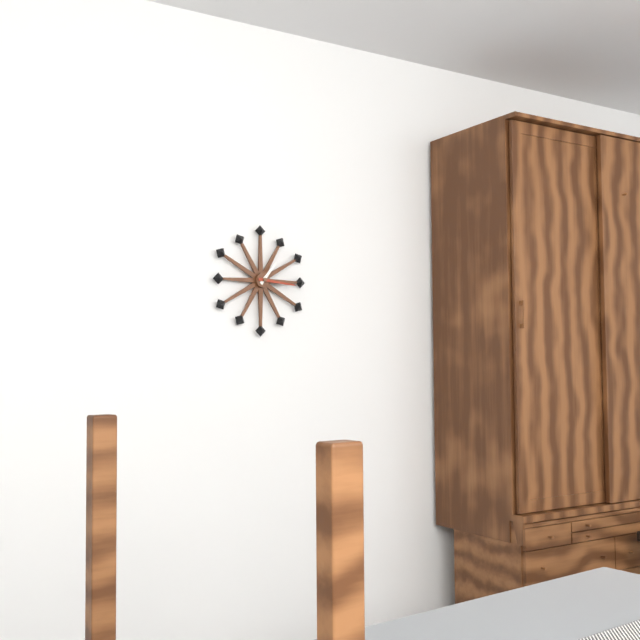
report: 1h16
